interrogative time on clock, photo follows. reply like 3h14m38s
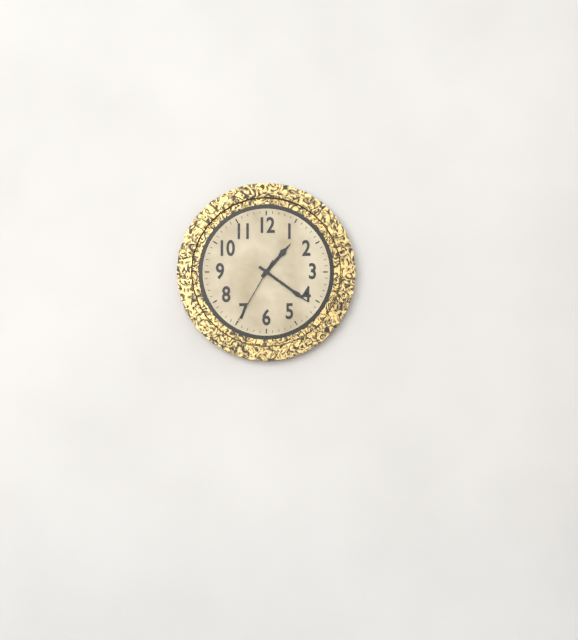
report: 1h21m35s
